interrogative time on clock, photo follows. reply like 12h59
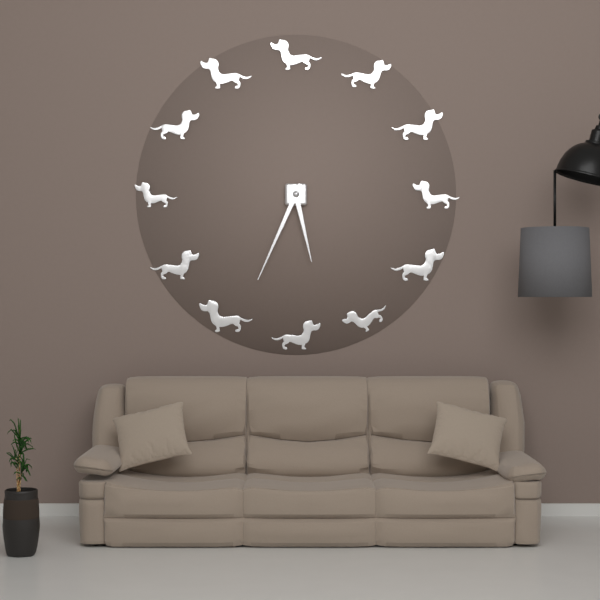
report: 5h34
